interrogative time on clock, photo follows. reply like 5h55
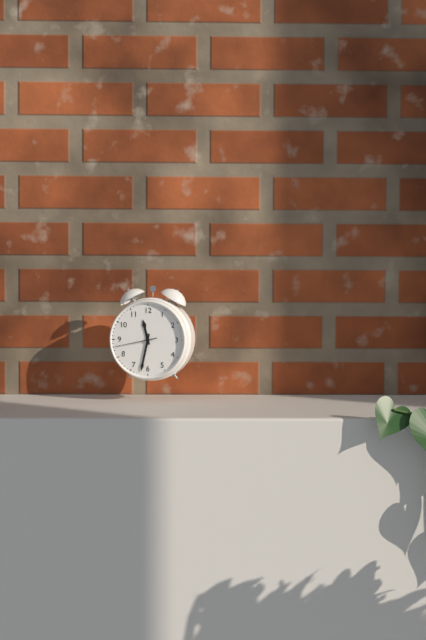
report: 11h32
